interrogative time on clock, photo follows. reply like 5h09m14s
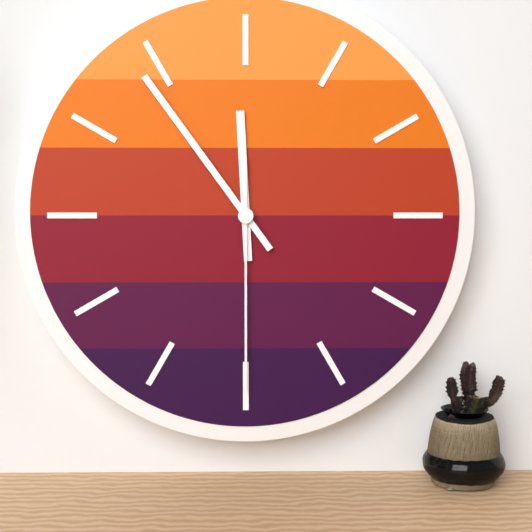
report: 11h54m30s
